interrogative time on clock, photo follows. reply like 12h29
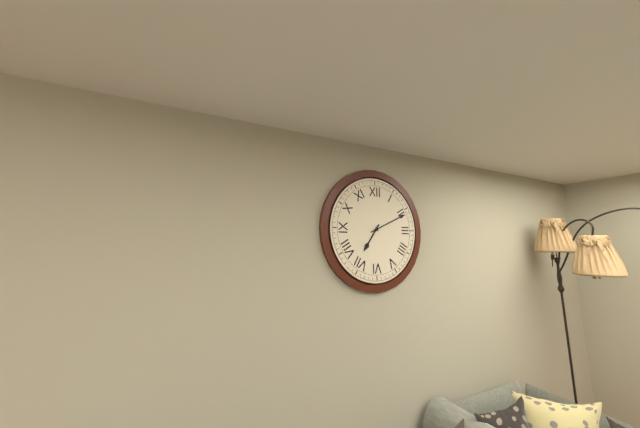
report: 7h11
